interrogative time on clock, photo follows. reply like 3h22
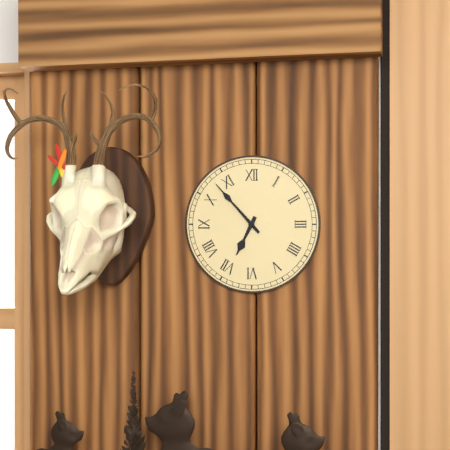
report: 6h53
